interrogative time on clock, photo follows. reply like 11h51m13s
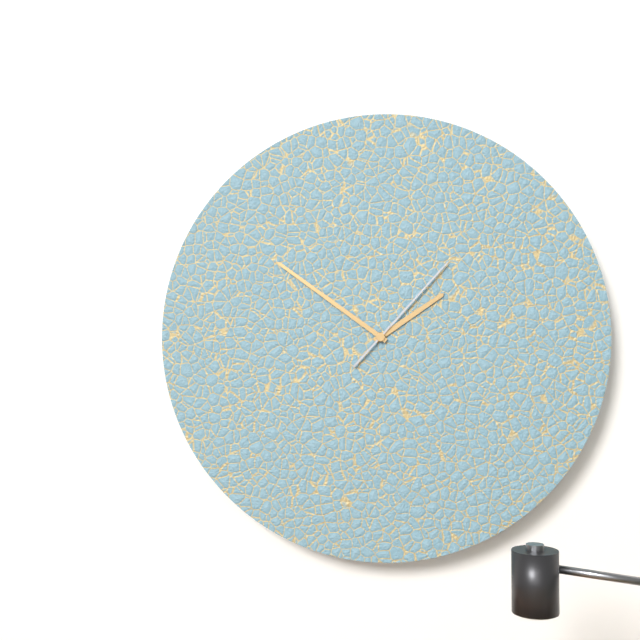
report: 1h51m07s
